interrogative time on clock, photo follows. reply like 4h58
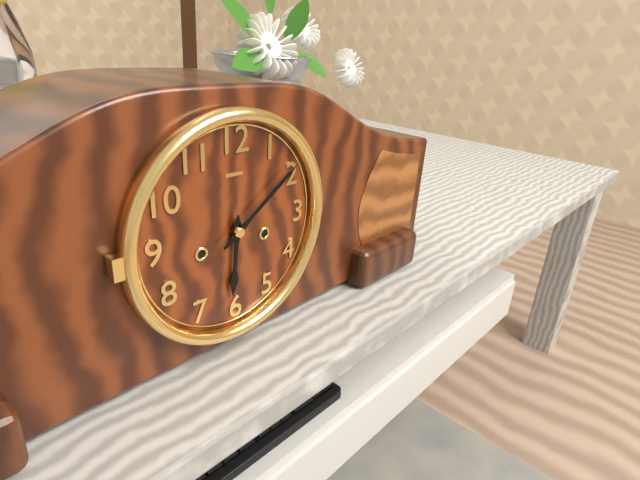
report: 6h09
